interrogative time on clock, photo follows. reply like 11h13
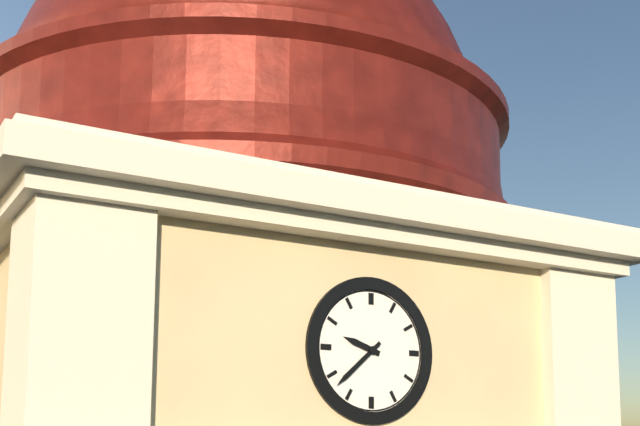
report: 9h38
